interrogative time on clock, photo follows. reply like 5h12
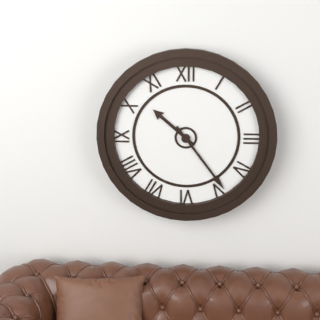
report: 10h24
